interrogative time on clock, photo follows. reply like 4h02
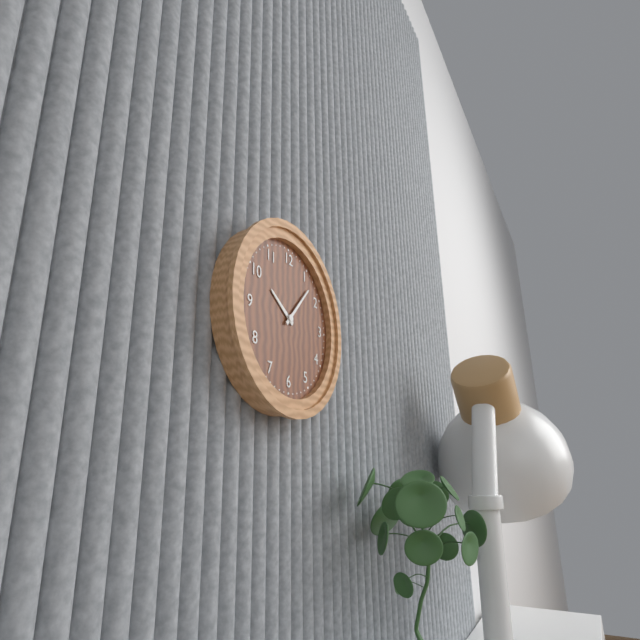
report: 10h07
